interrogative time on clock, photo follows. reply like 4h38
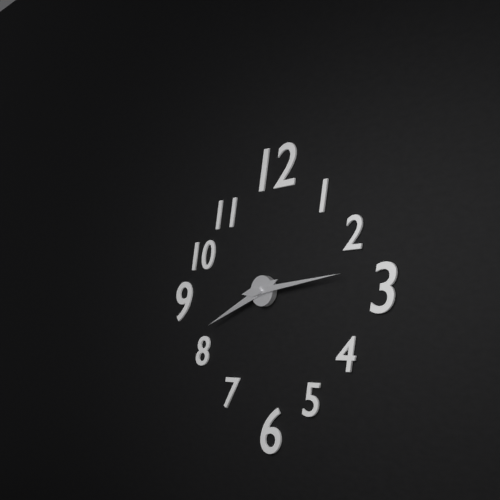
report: 8h14
